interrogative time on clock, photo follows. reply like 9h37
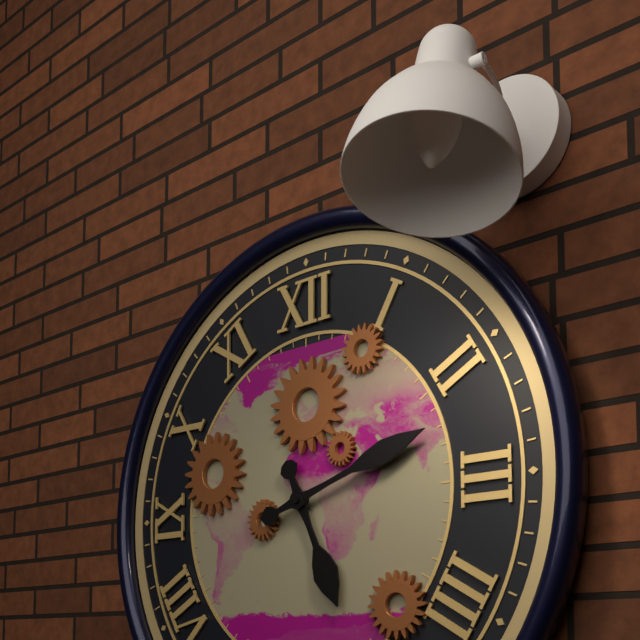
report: 5h12
